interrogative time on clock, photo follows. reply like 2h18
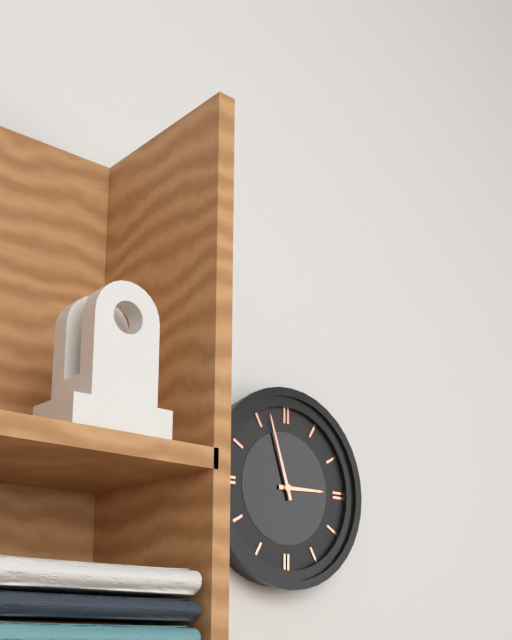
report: 2h57
